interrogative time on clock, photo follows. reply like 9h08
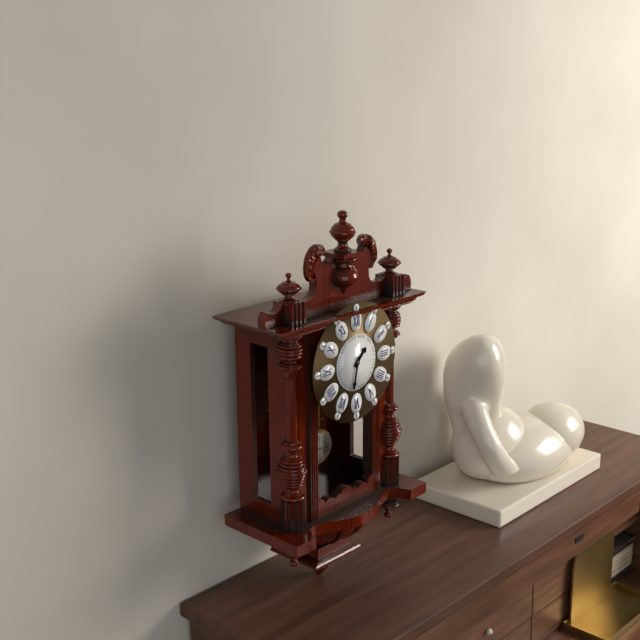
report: 1h32
